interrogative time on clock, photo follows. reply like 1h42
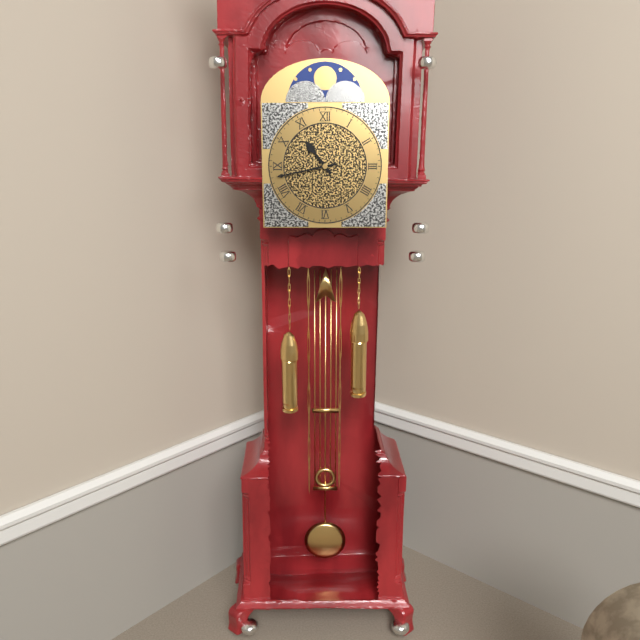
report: 10h43
